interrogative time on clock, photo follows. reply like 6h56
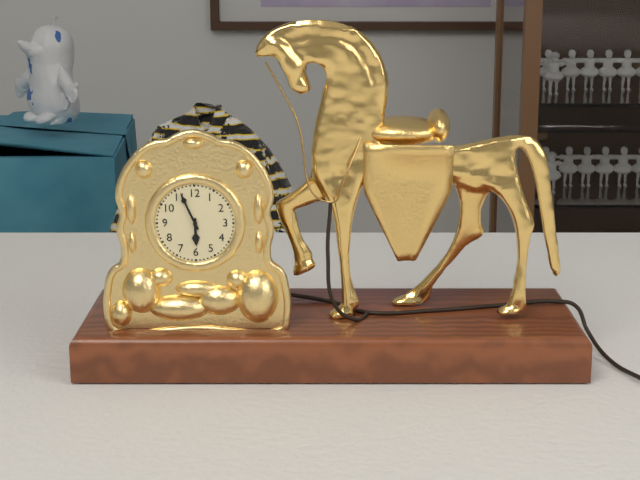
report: 5h56
